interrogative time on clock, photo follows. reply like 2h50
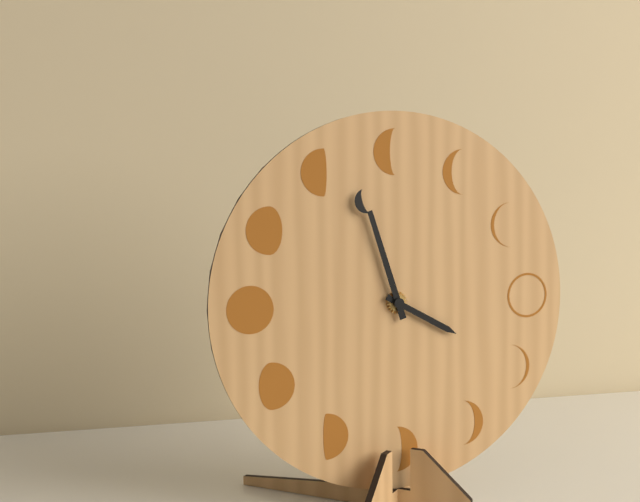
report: 3h57
